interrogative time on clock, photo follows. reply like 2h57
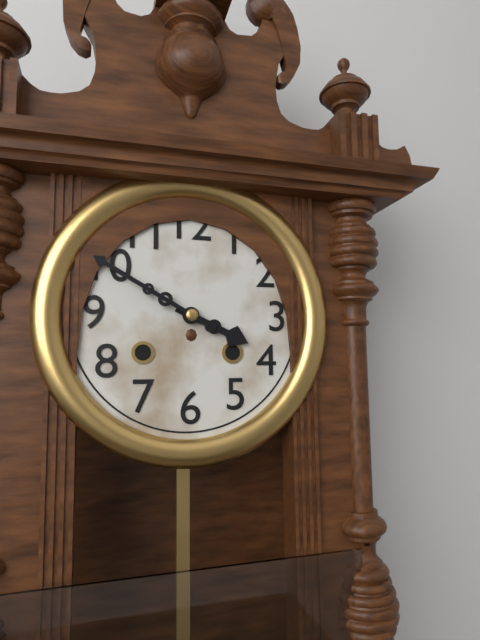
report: 3h50
